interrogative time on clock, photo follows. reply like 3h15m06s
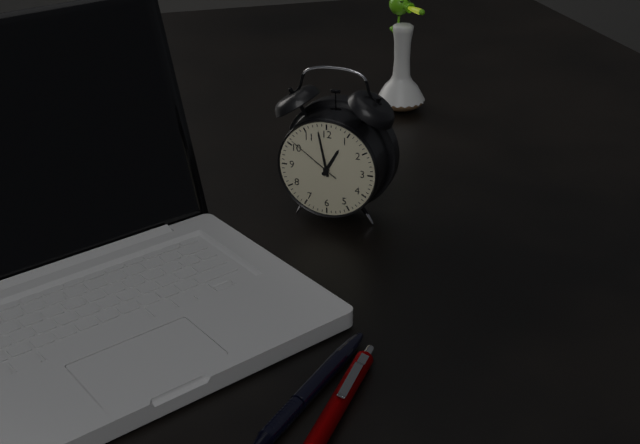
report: 12h58m51s
